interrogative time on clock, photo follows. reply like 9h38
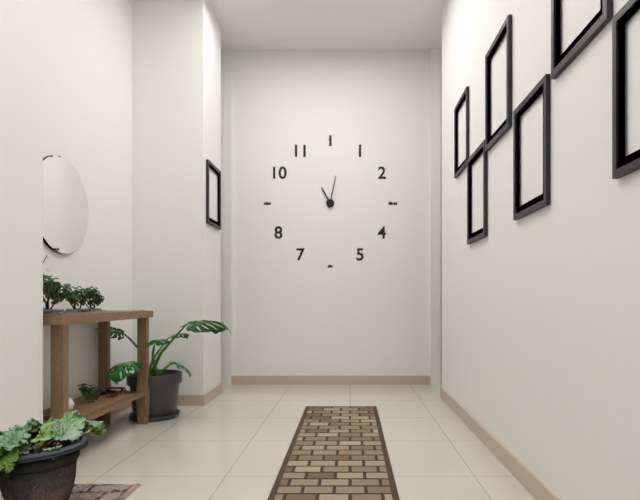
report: 11h02
